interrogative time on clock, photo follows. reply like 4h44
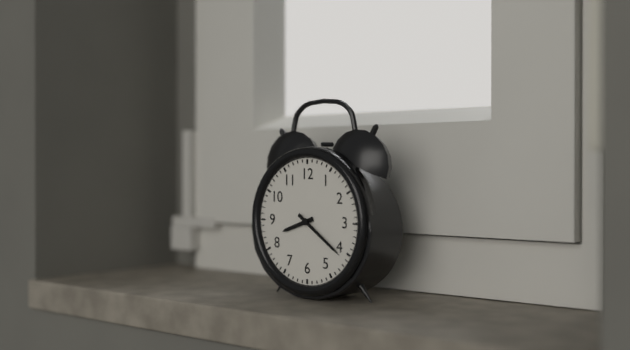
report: 8h21
